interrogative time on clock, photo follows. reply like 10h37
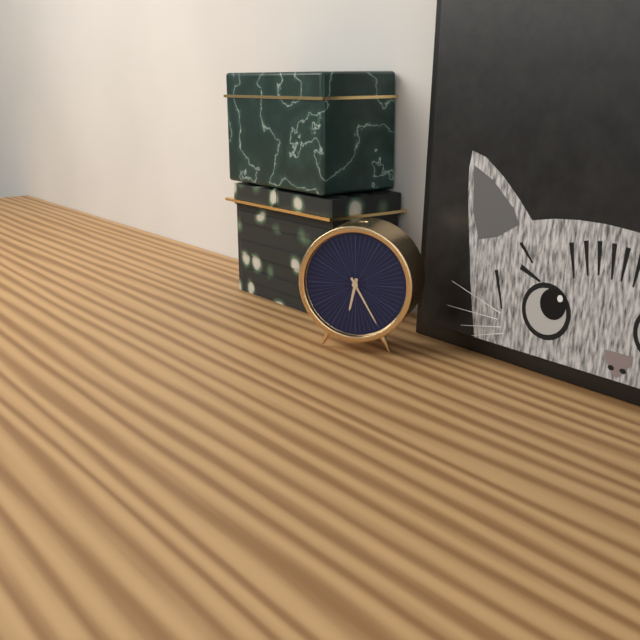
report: 6h25
